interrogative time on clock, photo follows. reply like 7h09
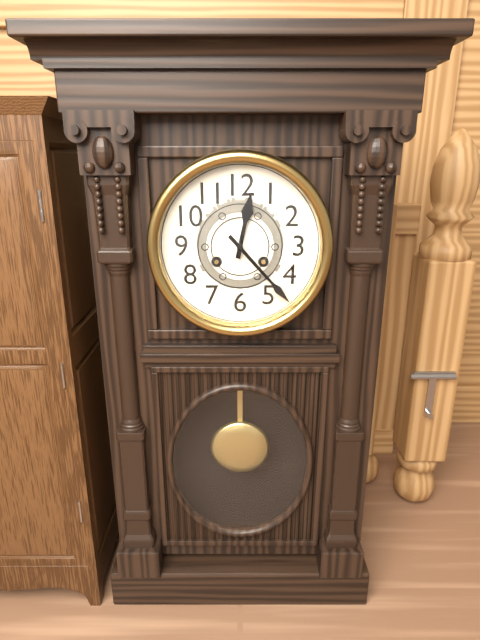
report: 12h23
